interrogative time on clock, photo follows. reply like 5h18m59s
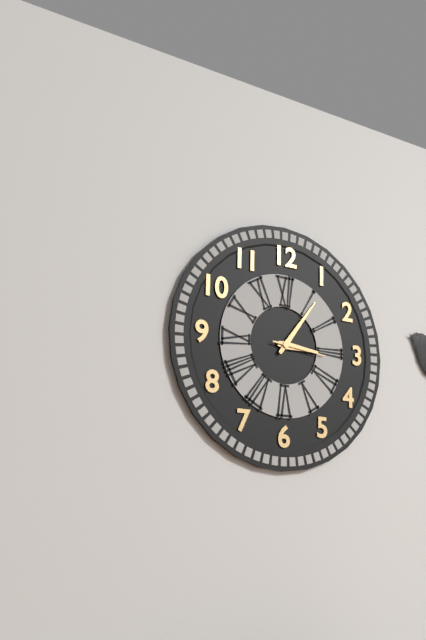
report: 3h06m16s
